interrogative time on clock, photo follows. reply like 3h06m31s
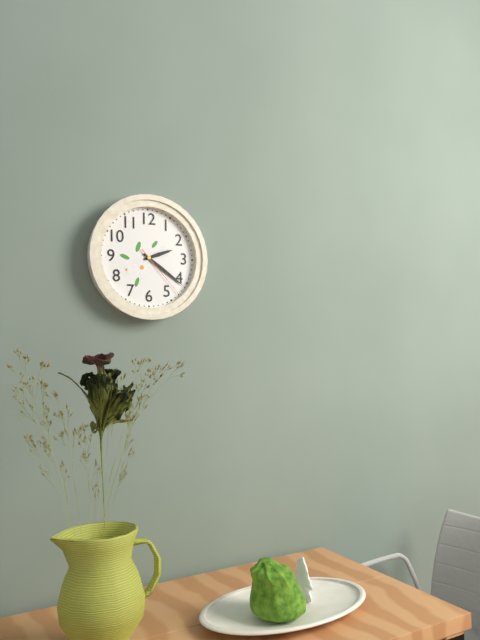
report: 2h21m23s
